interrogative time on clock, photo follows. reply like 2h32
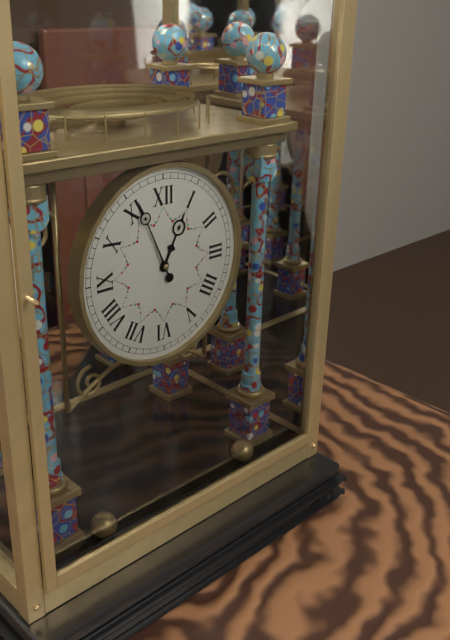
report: 12h56
